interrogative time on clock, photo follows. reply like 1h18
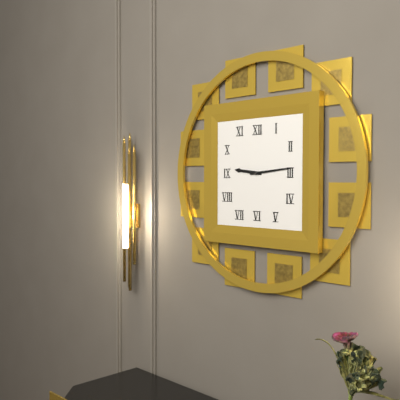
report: 9h14
